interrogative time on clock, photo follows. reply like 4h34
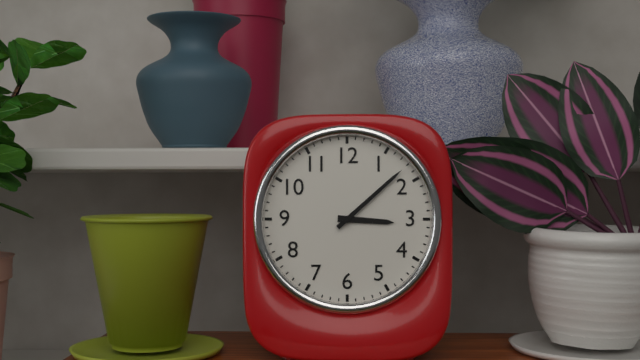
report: 3h08
